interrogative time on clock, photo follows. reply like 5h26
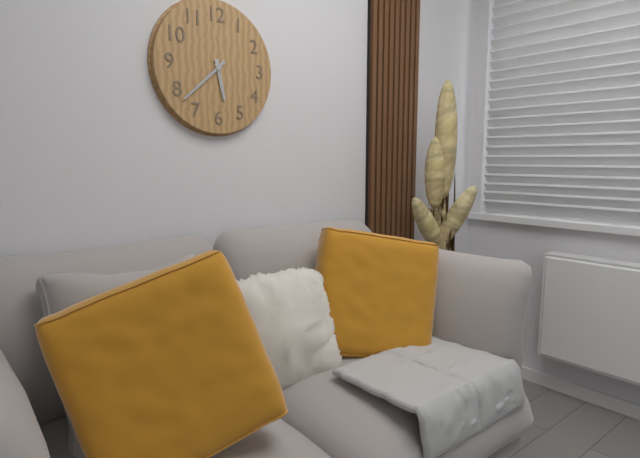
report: 5h38
